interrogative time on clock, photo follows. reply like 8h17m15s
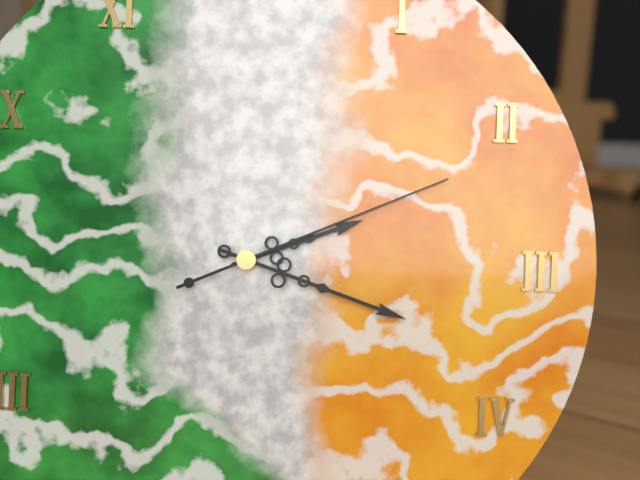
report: 2h18m11s
